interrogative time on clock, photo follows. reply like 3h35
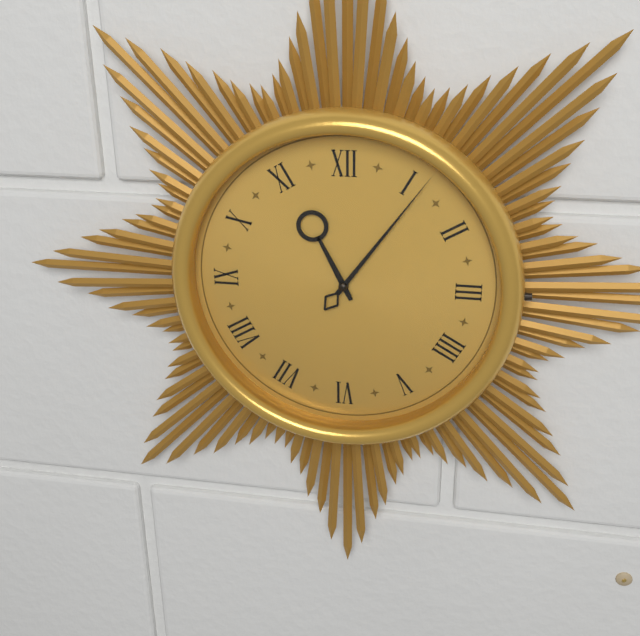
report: 11h06
